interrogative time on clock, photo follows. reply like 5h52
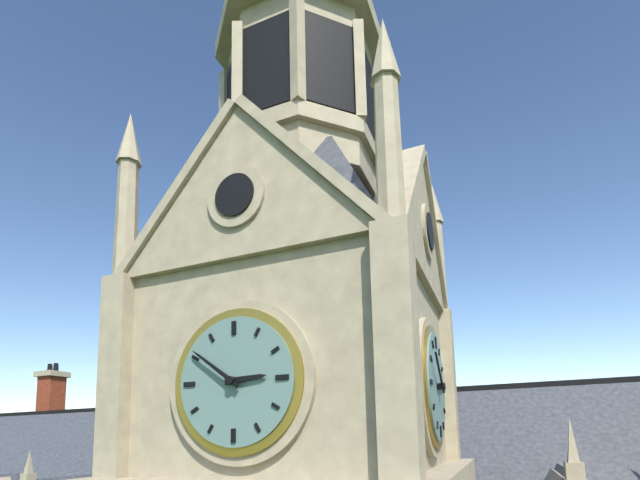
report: 2h51
